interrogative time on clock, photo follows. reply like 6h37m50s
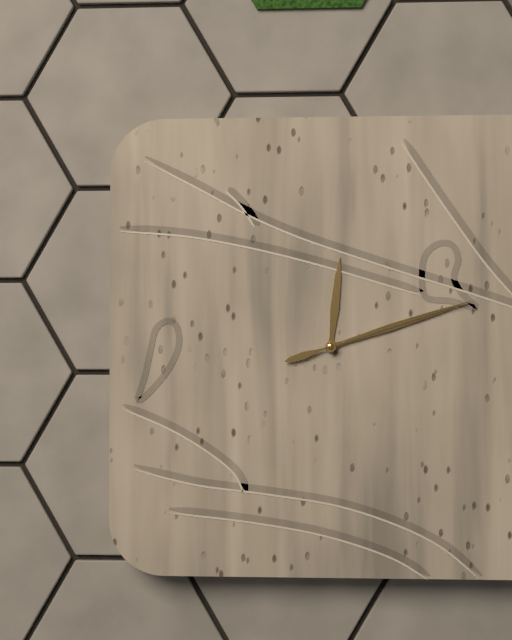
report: 12h12m12s
